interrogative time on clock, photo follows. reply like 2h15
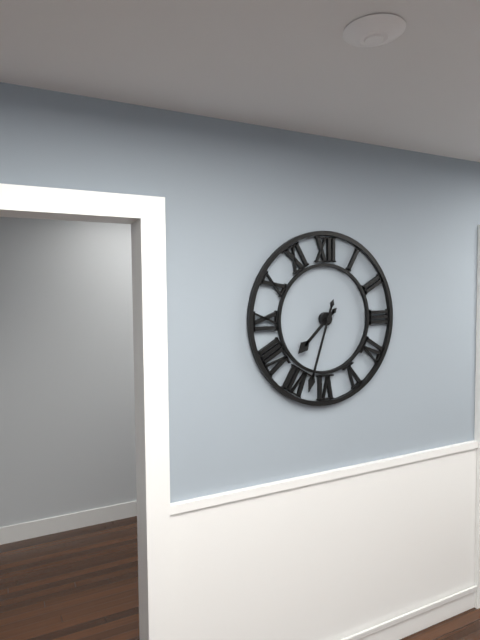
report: 7h33
